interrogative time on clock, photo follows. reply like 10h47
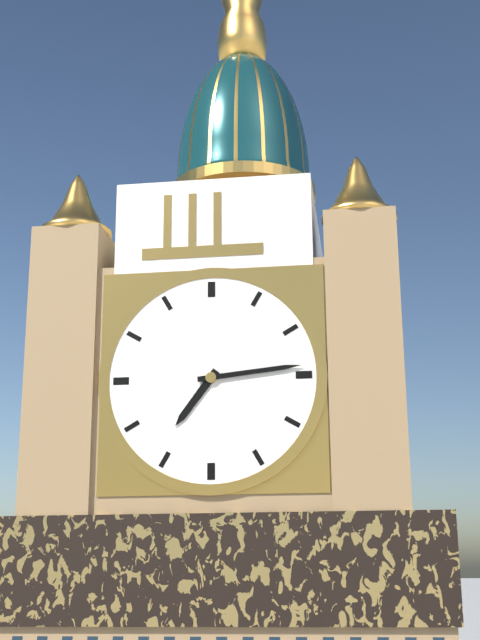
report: 7h14
